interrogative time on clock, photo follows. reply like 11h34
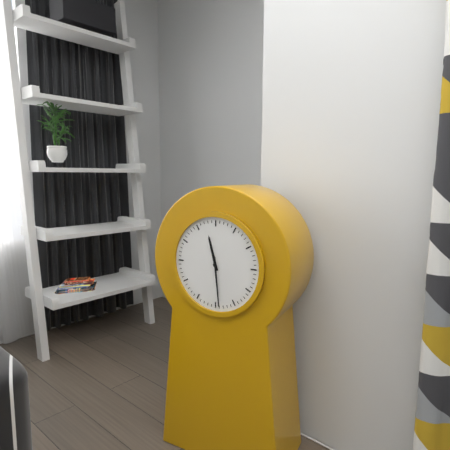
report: 11h29
